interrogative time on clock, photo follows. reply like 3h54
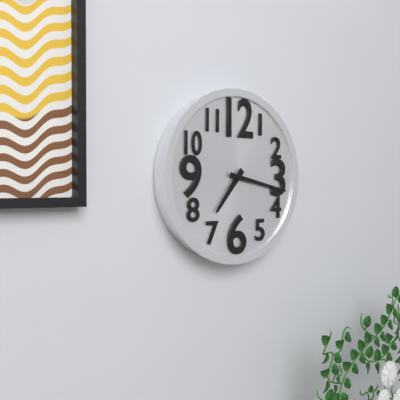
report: 7h17
